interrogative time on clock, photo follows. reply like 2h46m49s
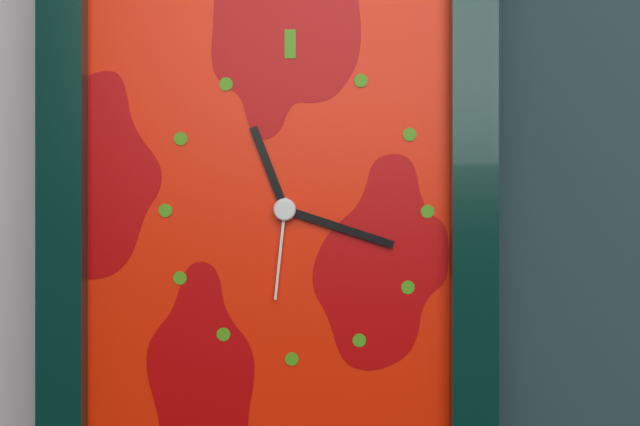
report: 11h18m31s
